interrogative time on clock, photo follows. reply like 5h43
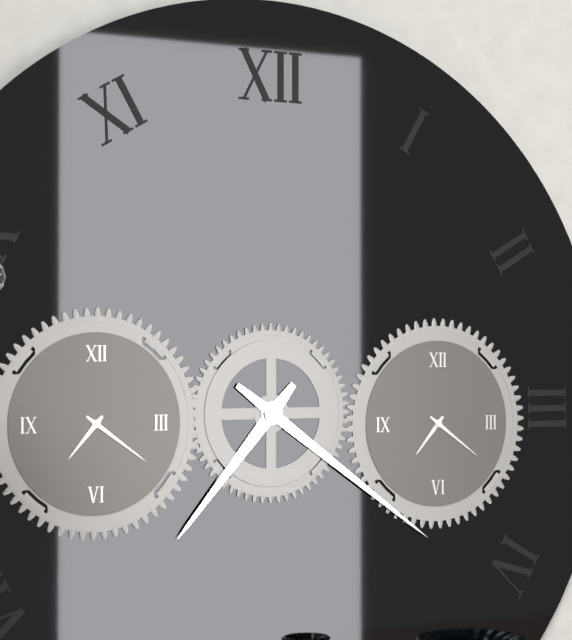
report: 7h21
